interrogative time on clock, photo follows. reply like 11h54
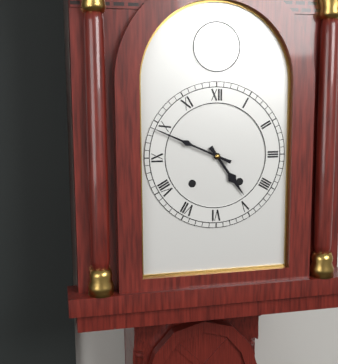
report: 4h49
